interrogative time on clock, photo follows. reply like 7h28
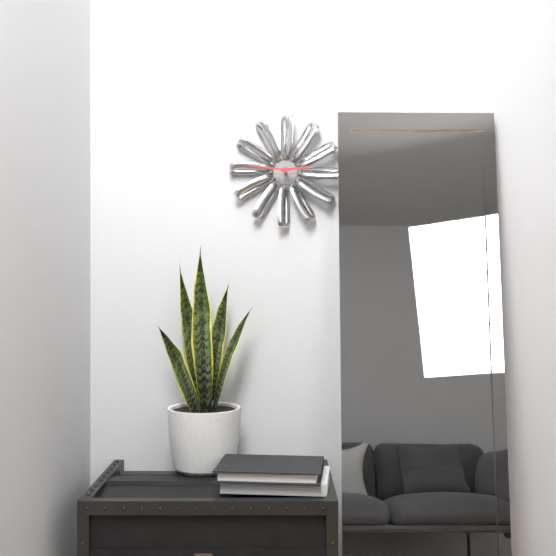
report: 2h46
